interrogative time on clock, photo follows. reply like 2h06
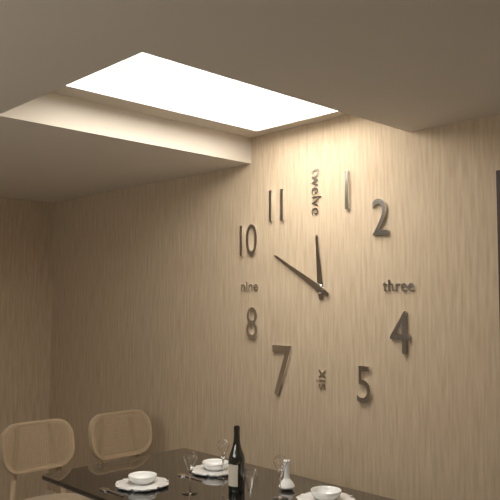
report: 11h50
